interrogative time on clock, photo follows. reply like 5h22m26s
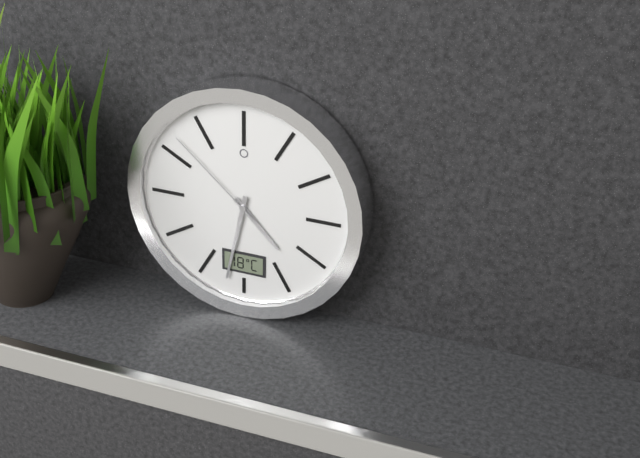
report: 4h32m52s
